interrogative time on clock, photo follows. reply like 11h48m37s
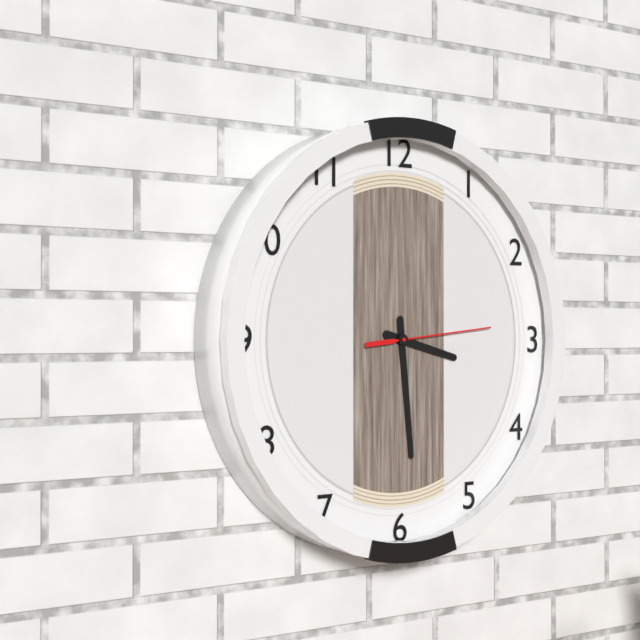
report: 3h29m14s
